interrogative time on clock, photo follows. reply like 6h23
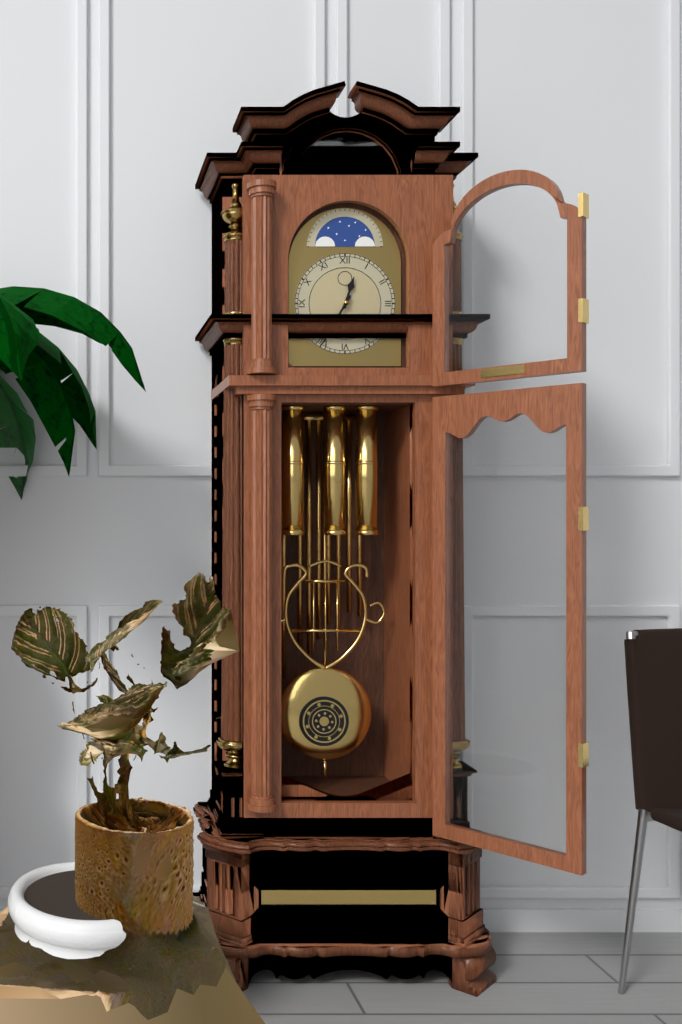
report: 12h35
